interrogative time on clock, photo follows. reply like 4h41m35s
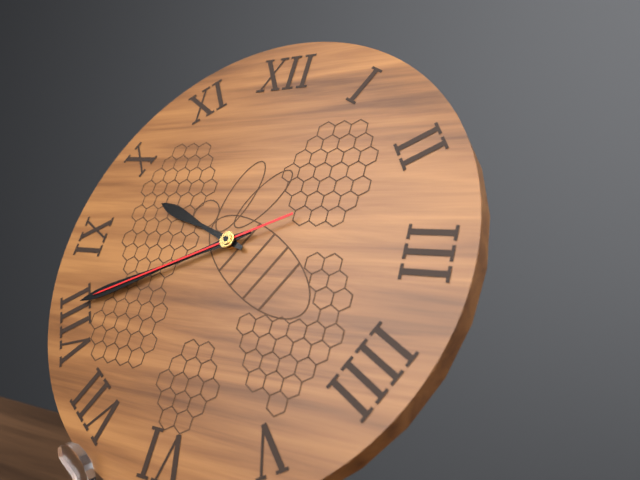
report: 9h41m41s
